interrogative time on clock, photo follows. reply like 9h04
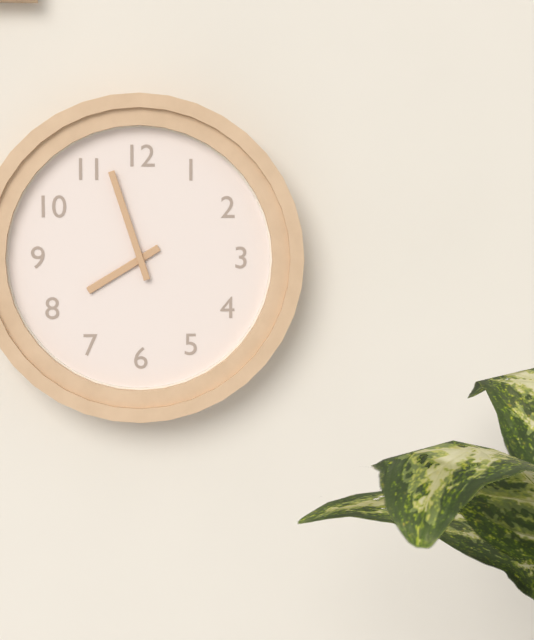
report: 7h57
